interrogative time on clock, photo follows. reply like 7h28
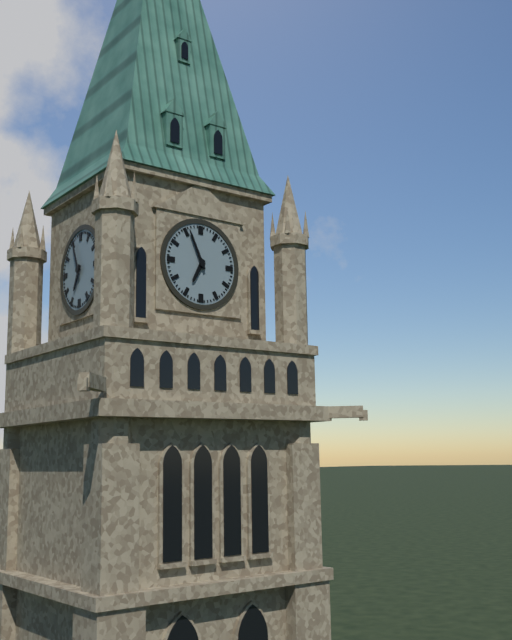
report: 6h56
